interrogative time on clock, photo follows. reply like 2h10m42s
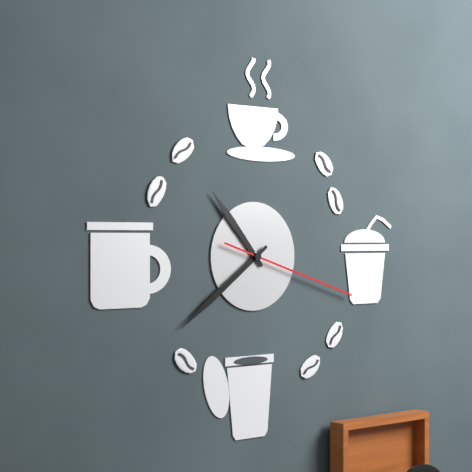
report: 10h39m18s
